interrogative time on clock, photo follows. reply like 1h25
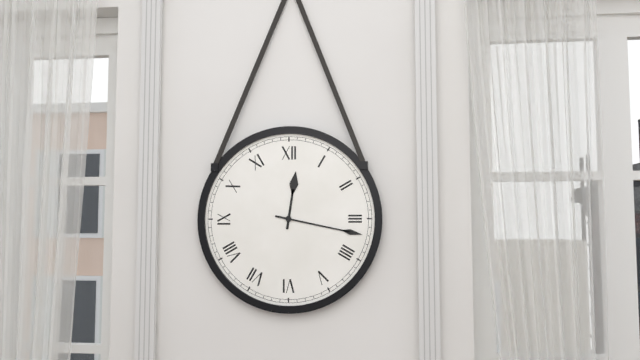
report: 12h17
